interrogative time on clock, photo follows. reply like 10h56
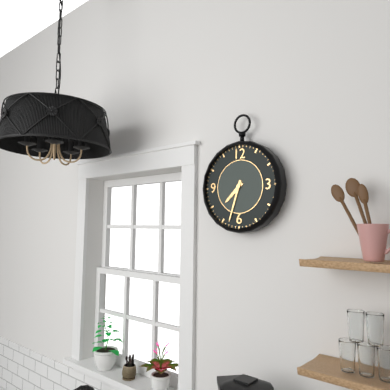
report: 7h33
